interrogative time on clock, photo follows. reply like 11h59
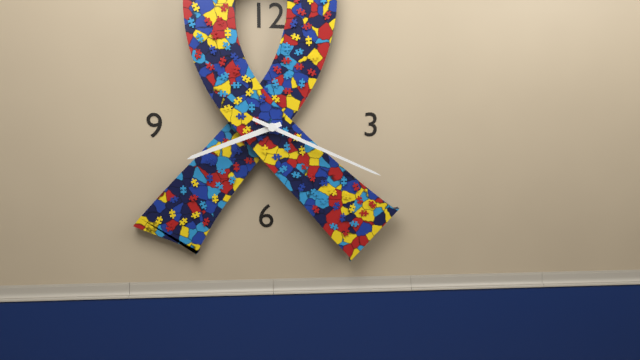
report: 8h19
